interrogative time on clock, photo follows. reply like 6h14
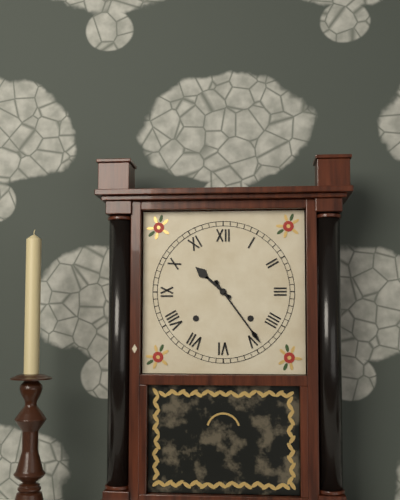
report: 10h24
